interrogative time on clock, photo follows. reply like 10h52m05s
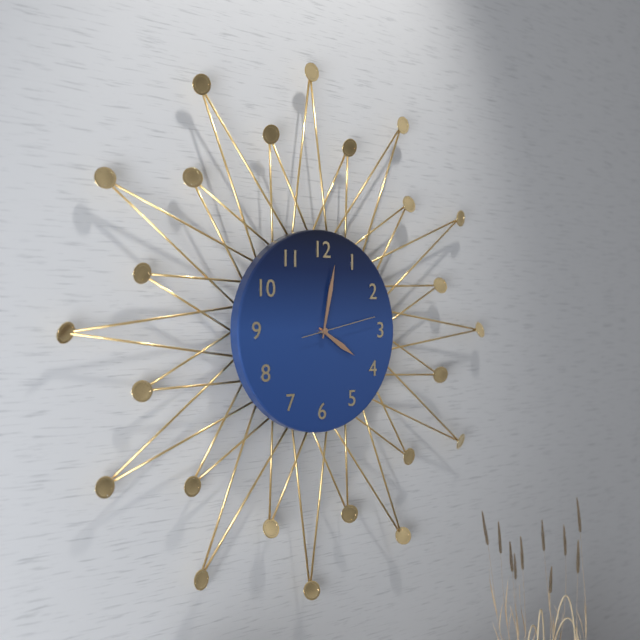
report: 4h02m13s
